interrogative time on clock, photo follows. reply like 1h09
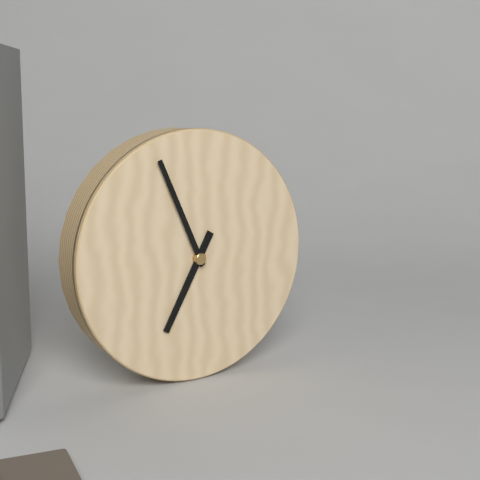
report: 6h56
